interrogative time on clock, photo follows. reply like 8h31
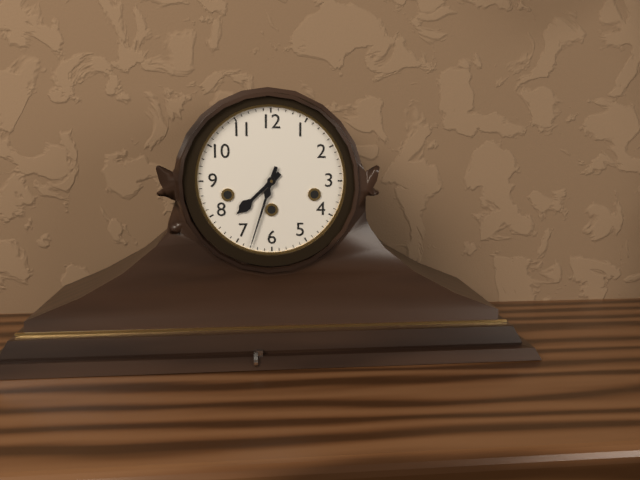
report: 7h33
